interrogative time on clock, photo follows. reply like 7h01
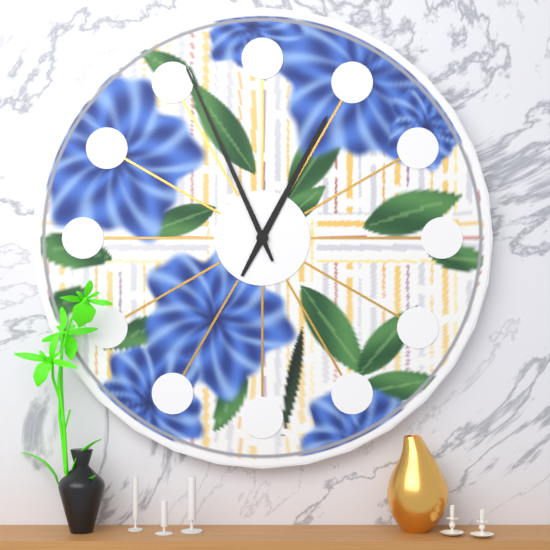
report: 12h56
